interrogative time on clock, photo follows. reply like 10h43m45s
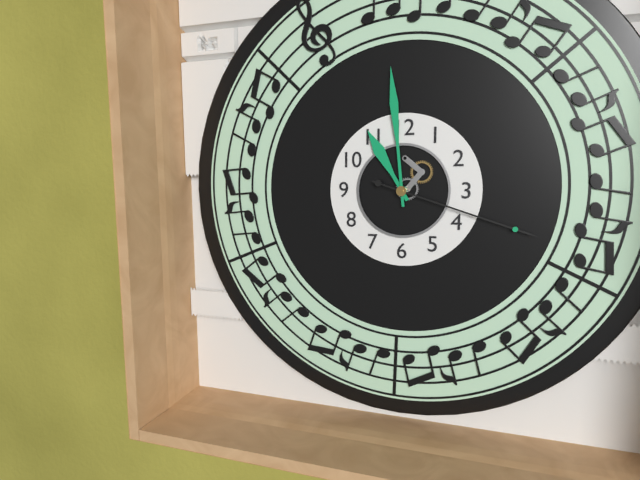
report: 10h59m18s
